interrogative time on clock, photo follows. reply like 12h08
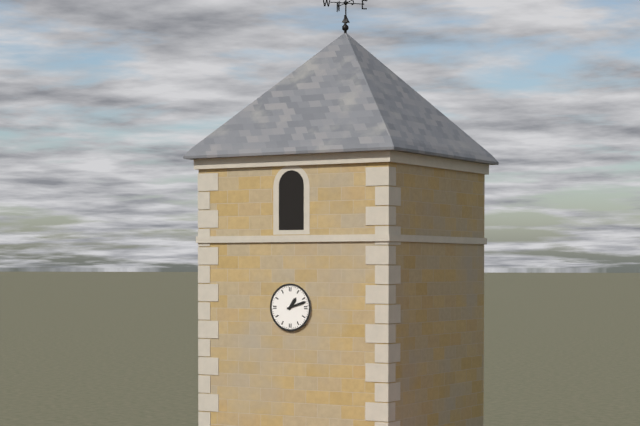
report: 1h12
